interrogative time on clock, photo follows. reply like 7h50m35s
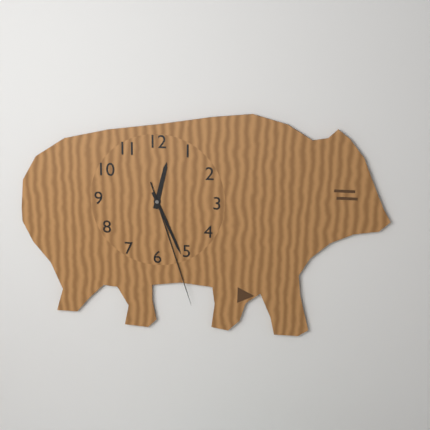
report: 12h26m27s
